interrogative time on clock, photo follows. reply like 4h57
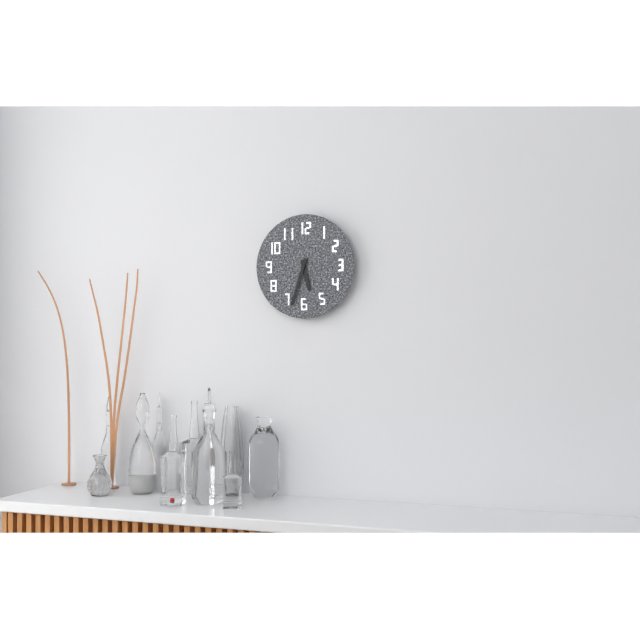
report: 5h33
